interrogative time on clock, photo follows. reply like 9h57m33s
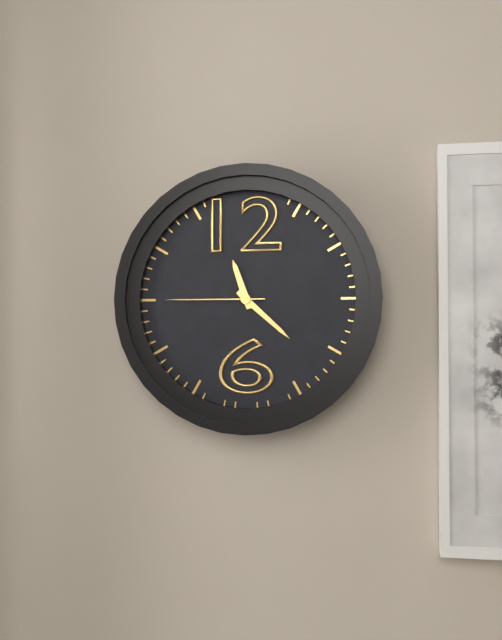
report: 11h22m45s
